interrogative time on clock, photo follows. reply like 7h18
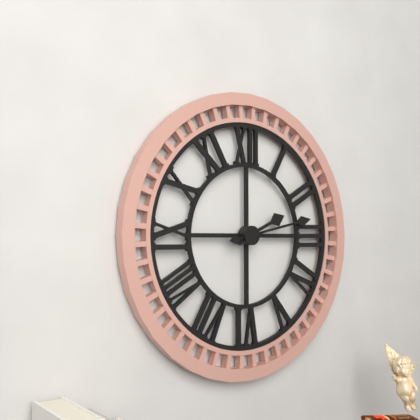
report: 2h13
